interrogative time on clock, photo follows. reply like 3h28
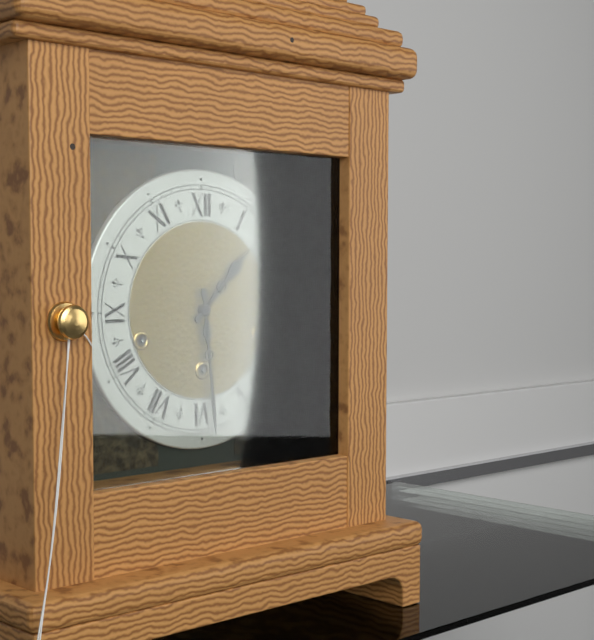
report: 1h29
